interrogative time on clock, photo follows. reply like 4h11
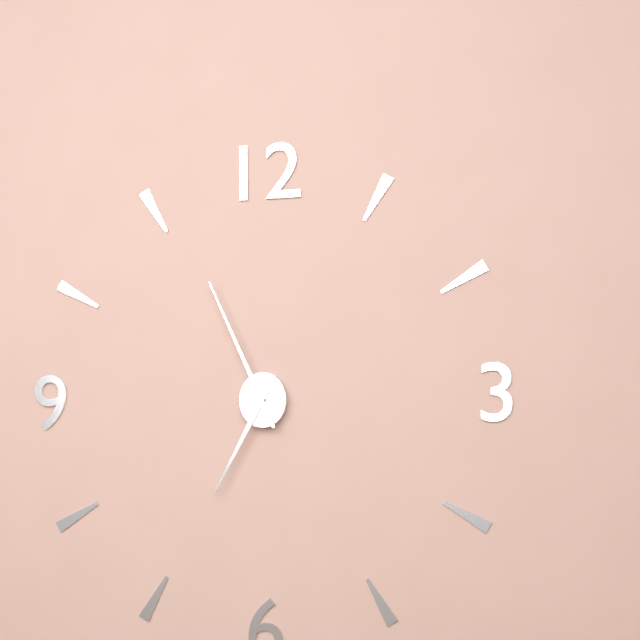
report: 6h56
